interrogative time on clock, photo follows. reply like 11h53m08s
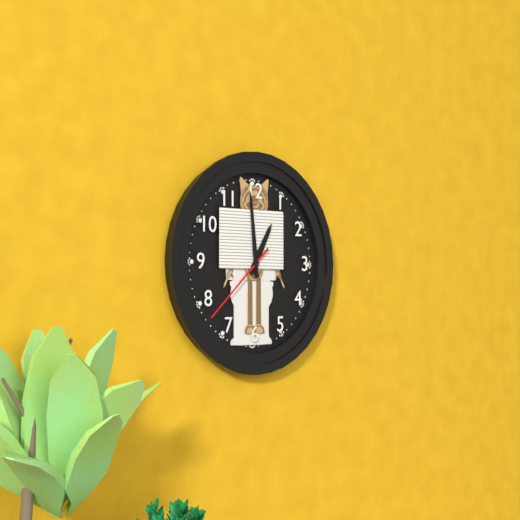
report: 12h59m38s
